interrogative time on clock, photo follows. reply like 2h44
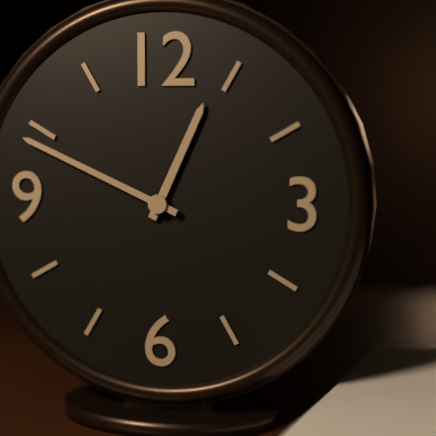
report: 12h49
